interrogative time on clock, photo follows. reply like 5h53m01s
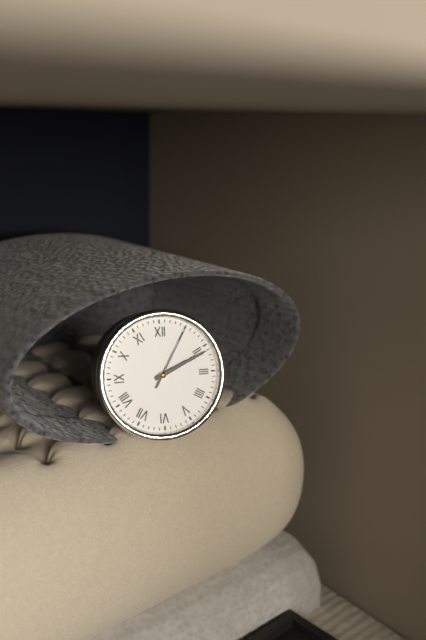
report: 2h11m05s
